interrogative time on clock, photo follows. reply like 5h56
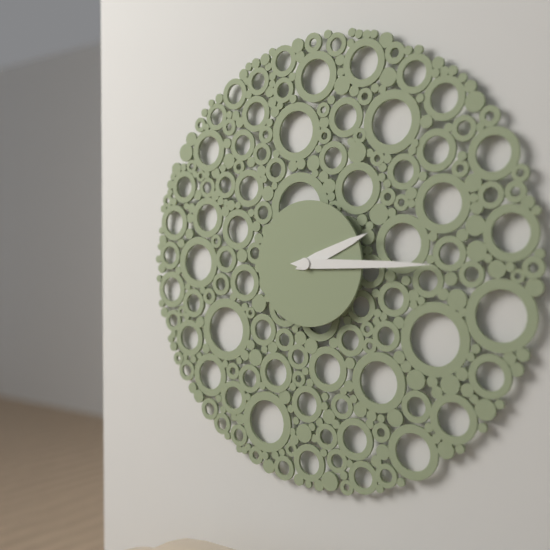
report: 2h15
